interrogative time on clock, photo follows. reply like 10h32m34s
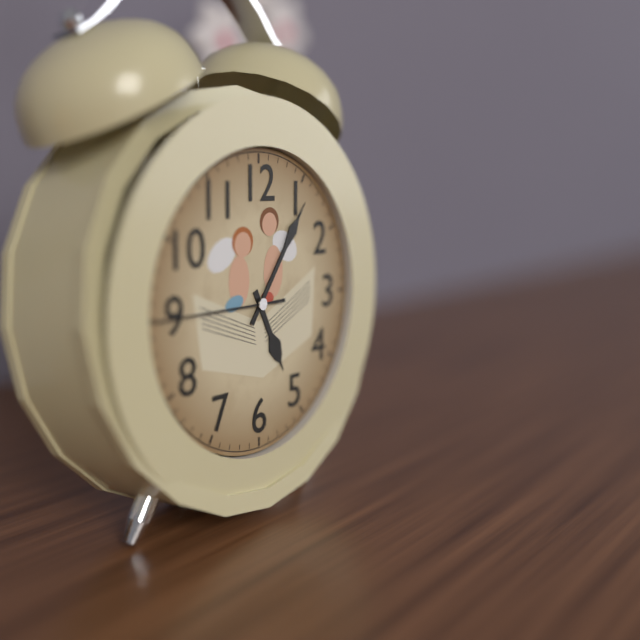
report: 5h06m45s
